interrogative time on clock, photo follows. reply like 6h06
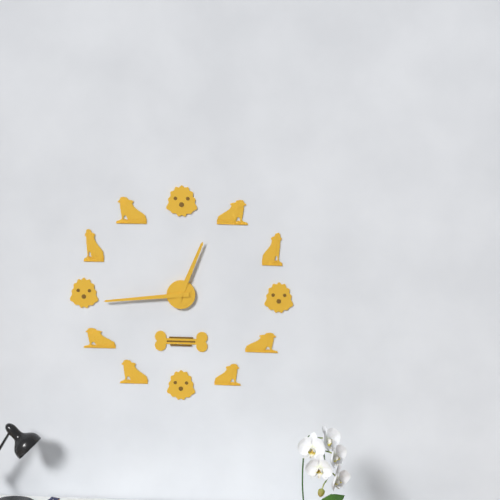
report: 12h44
